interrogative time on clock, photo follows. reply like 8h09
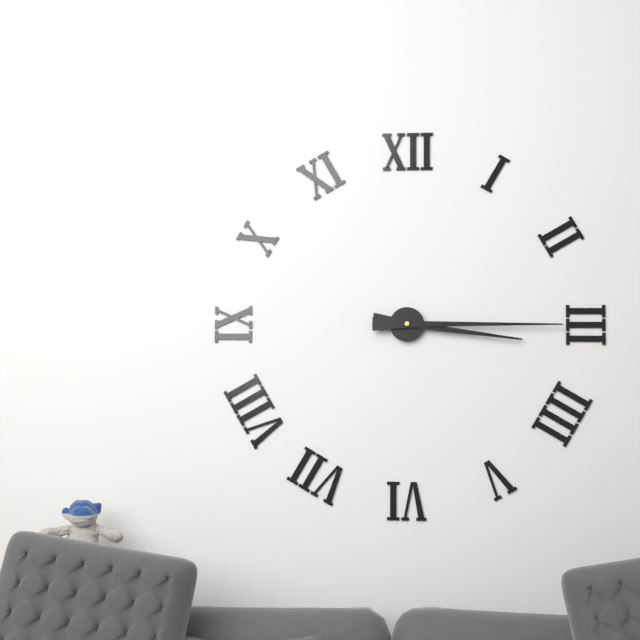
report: 3h15
